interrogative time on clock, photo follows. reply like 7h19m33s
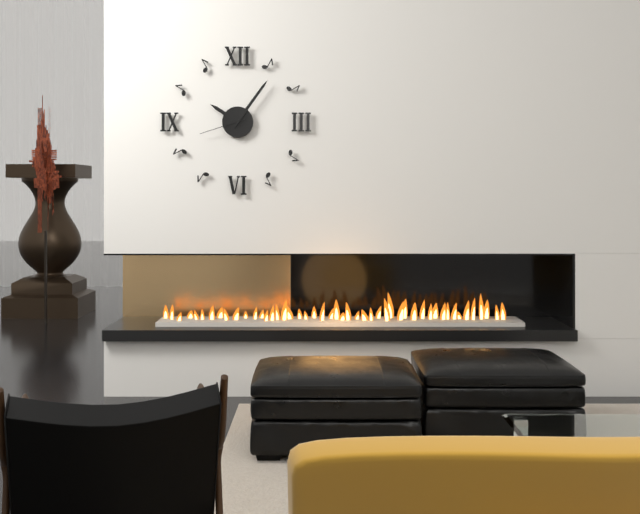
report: 10h06m42s
